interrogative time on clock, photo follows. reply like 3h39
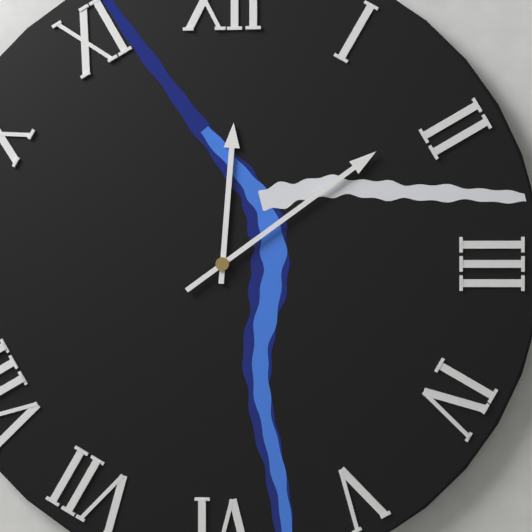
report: 12h09
